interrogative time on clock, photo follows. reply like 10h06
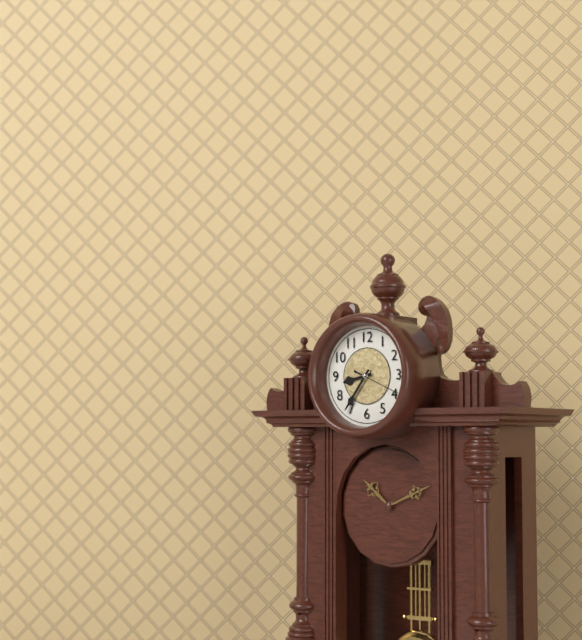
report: 8h36
